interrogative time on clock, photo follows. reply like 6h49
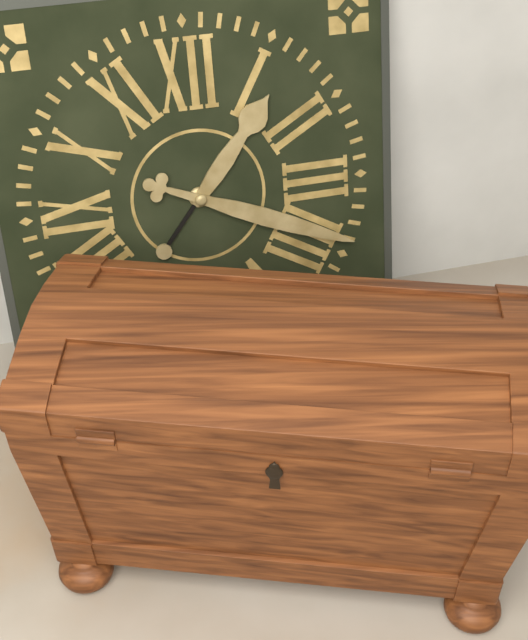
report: 1h19
